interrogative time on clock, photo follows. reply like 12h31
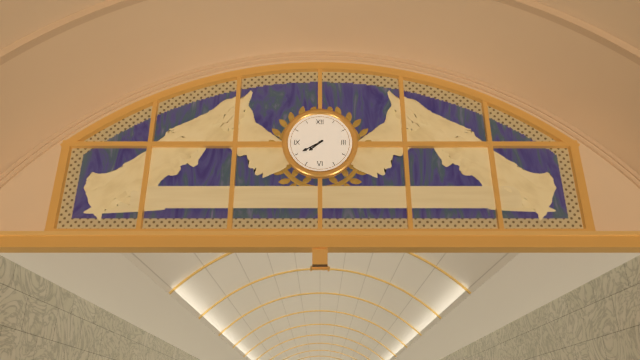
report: 7h40
